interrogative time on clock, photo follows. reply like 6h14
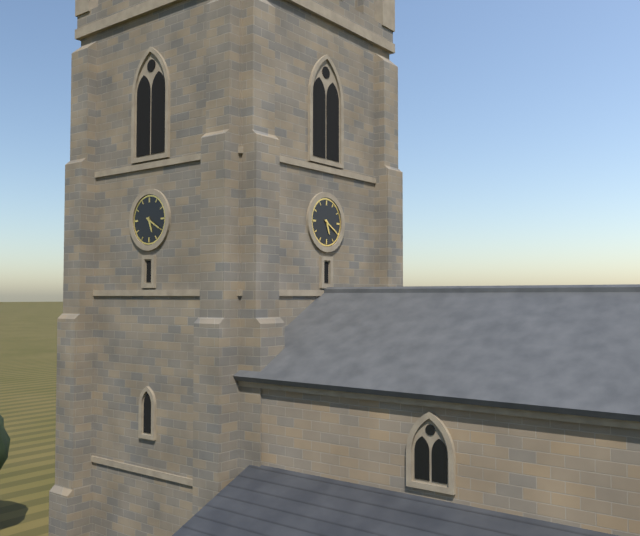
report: 5h20
